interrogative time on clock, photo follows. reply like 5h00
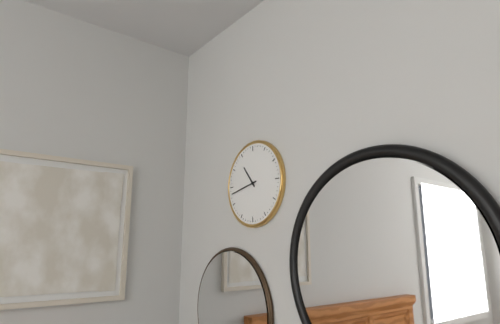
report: 10h43
